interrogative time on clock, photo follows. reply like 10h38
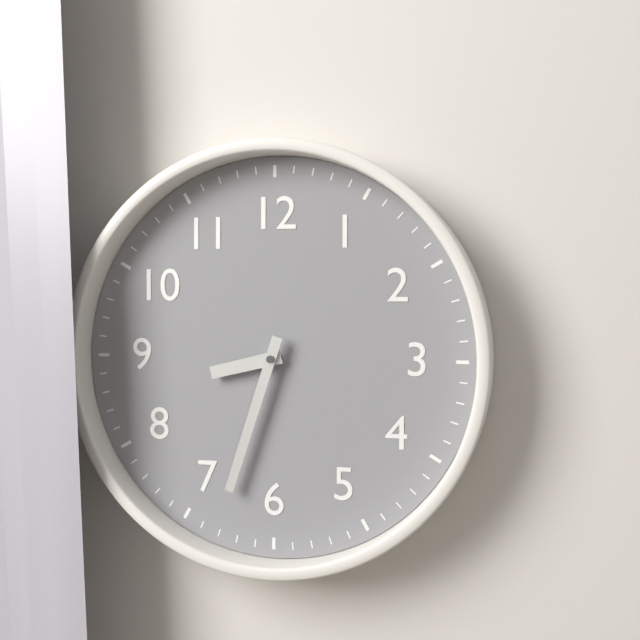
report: 8h33
